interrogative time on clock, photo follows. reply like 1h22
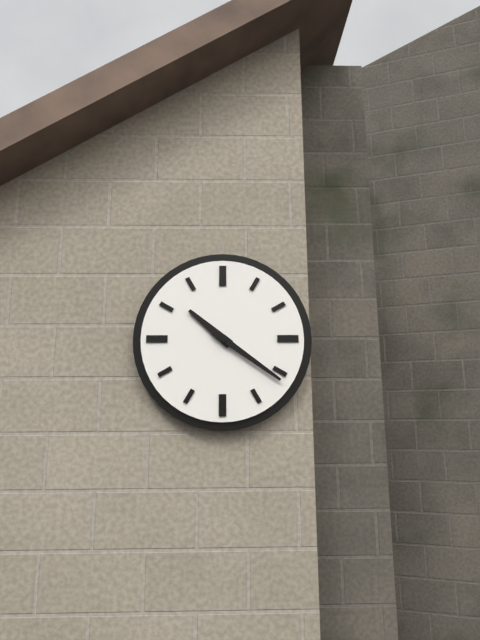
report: 10h21
